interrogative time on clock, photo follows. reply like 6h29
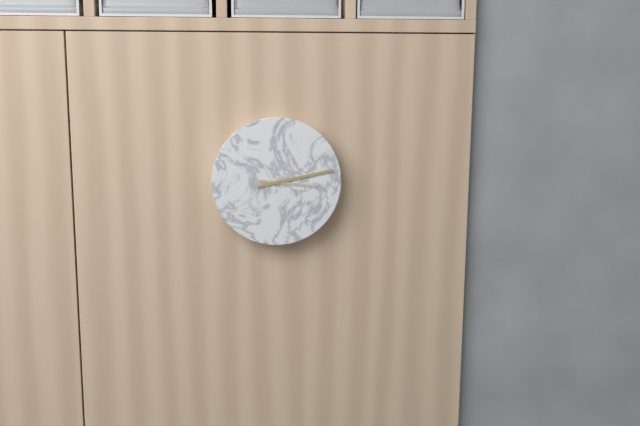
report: 3h13
